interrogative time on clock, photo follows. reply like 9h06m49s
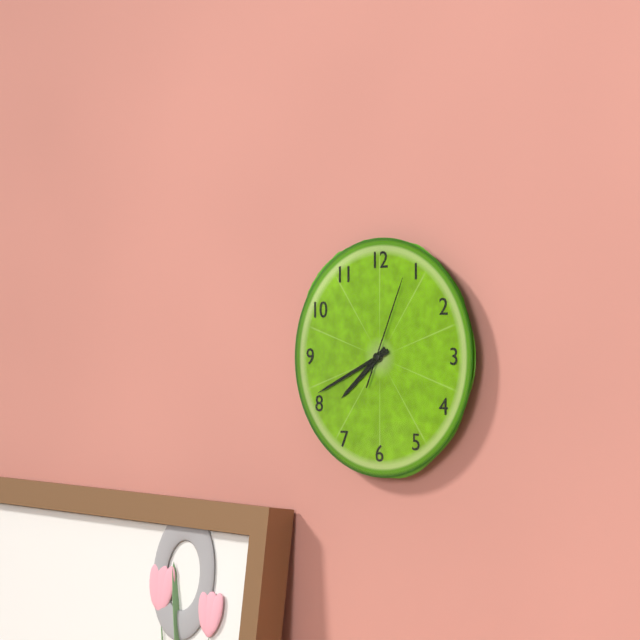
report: 7h41m04s
